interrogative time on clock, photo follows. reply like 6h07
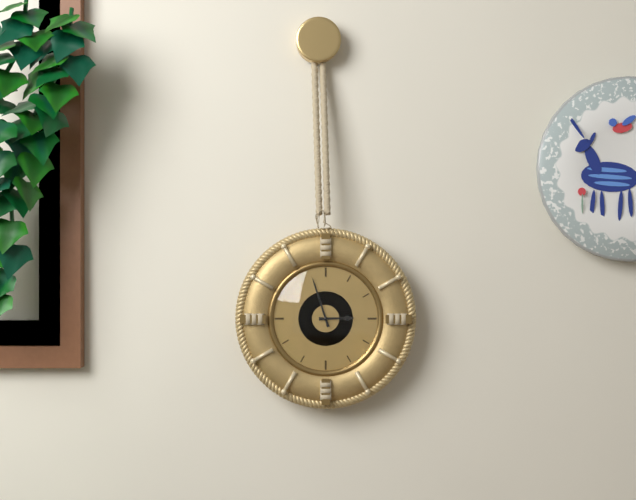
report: 2h57
